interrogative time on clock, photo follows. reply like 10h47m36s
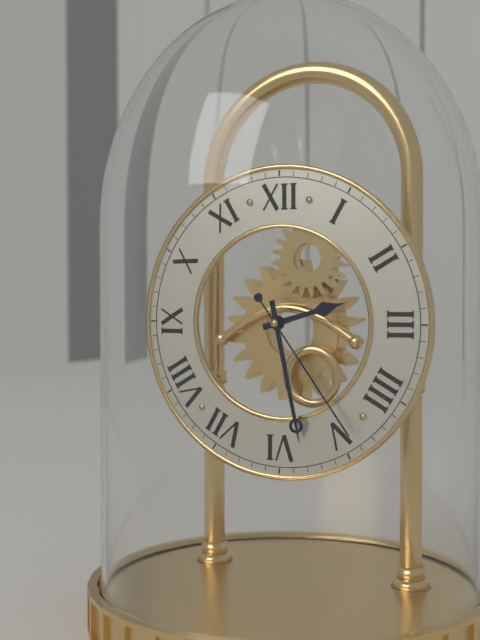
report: 2h28m24s
